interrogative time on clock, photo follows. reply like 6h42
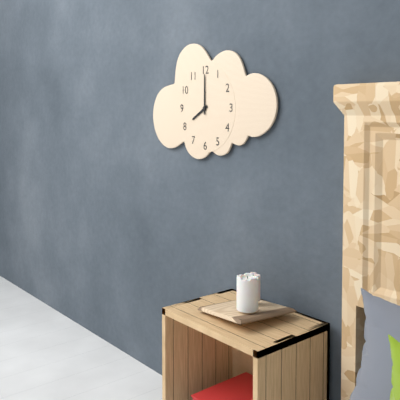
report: 8h00
